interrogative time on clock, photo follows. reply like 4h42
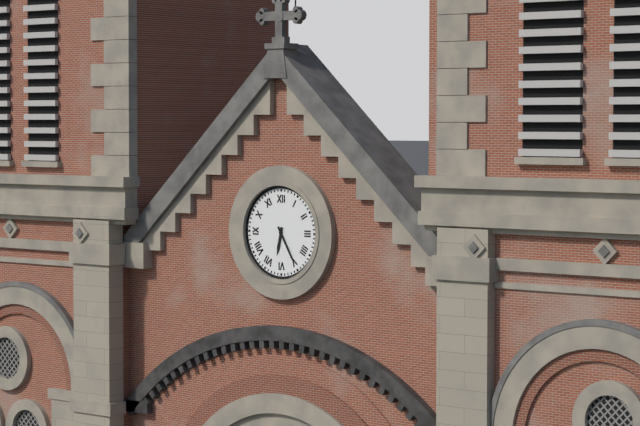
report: 6h25
